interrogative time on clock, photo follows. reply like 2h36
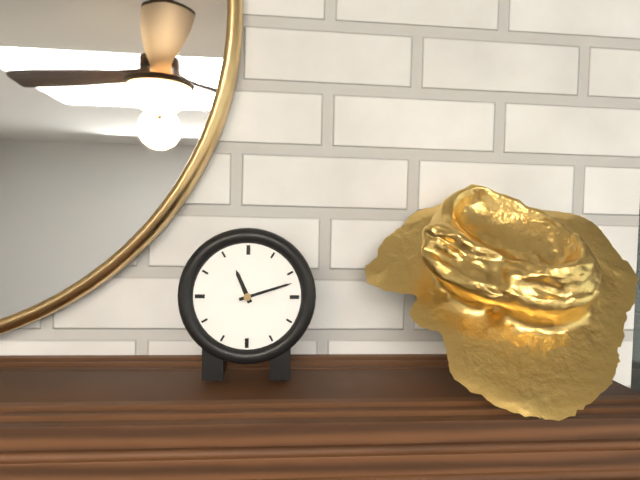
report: 11h12
